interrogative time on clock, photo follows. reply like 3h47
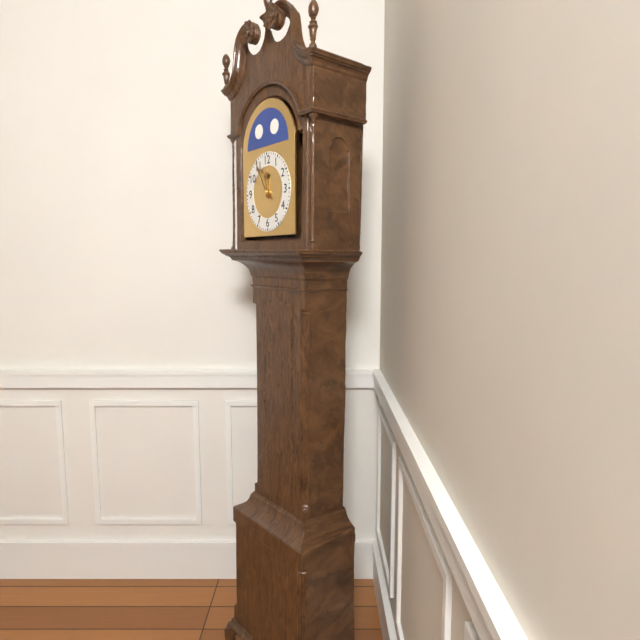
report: 11h55
